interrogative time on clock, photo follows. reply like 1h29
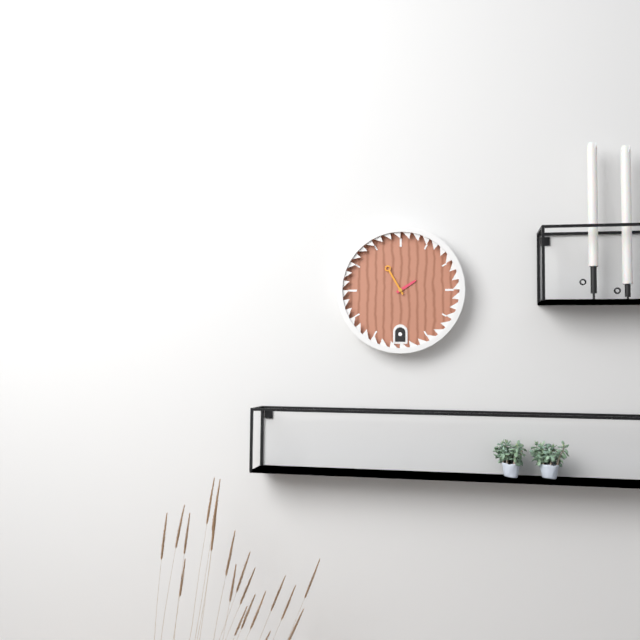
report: 1h55
